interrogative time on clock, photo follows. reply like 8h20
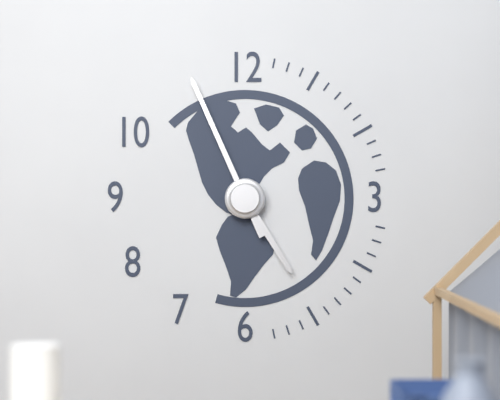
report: 4h56
